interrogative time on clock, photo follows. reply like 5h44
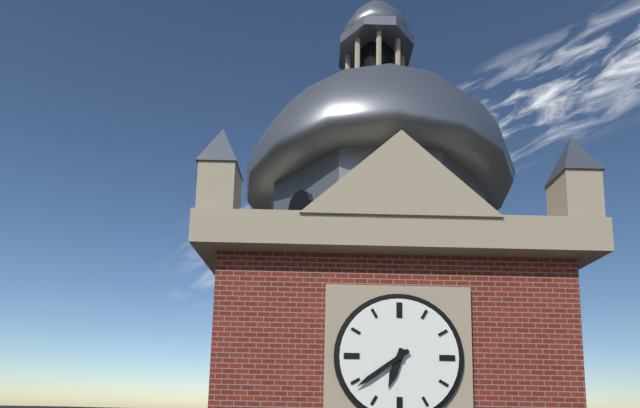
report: 6h39
